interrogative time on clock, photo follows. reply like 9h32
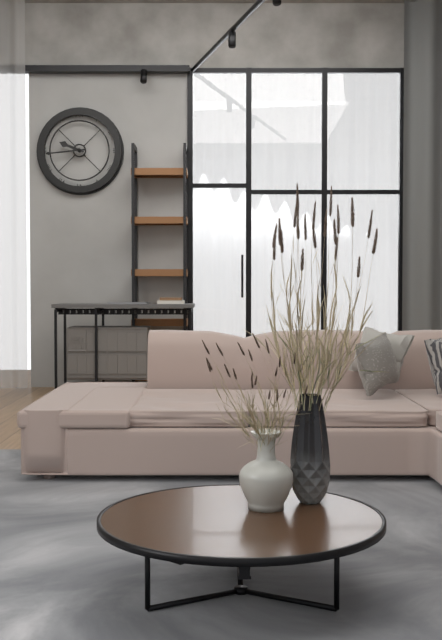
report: 9h44
